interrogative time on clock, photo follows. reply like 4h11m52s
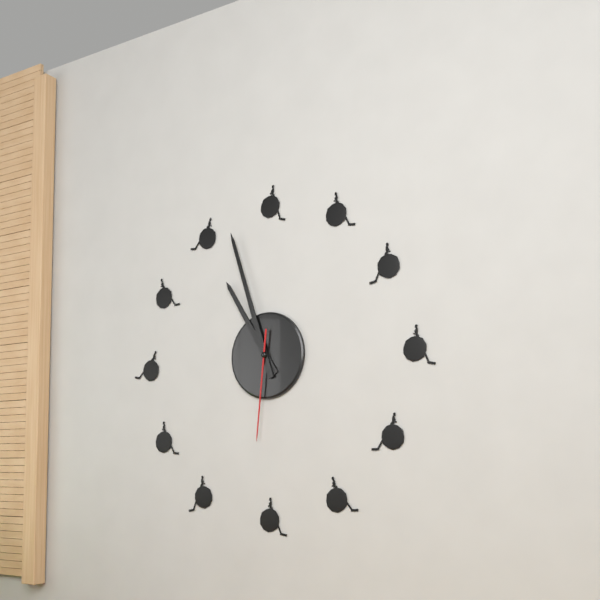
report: 10h57m31s
